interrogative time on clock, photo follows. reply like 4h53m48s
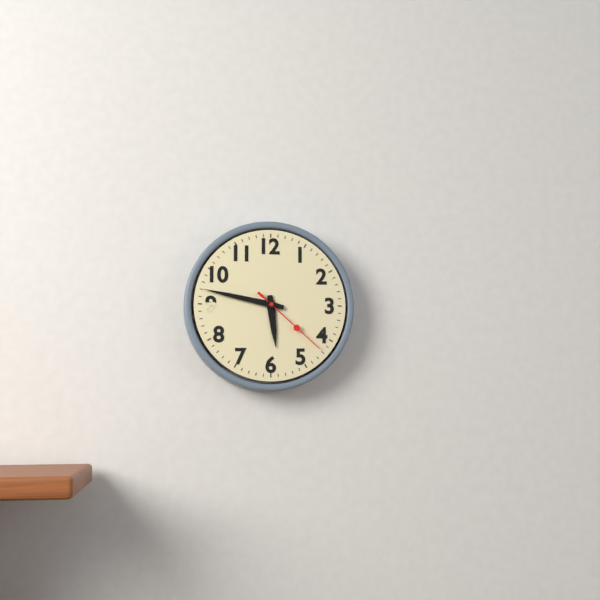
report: 5h47m22s
